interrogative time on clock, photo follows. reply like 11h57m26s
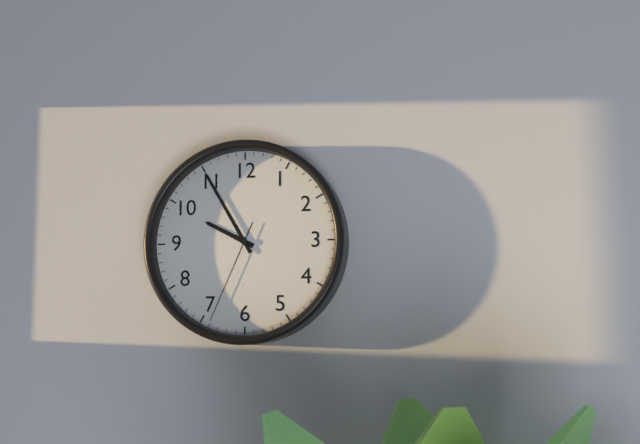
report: 9h55m34s
